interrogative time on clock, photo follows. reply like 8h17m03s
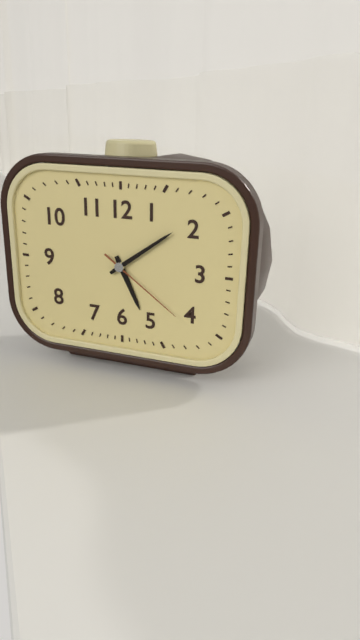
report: 5h09m21s
